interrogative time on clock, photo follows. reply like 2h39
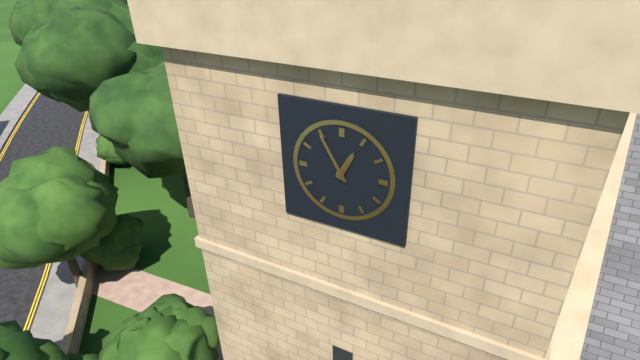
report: 12h55
